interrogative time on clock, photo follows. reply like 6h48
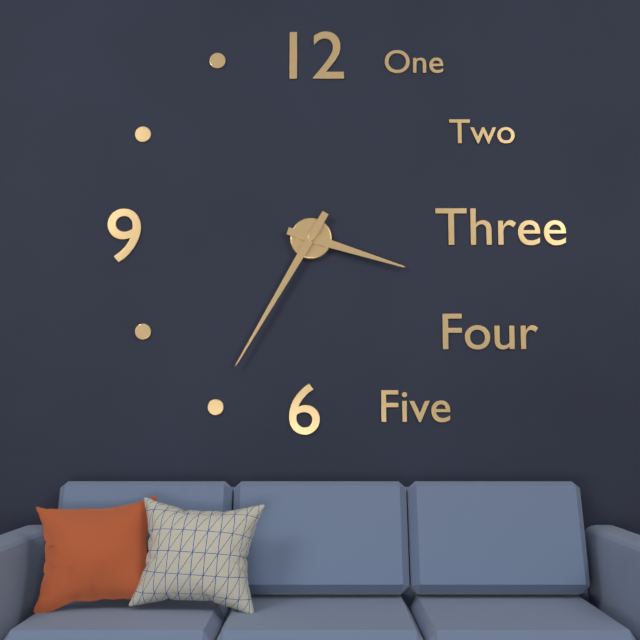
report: 3h35
